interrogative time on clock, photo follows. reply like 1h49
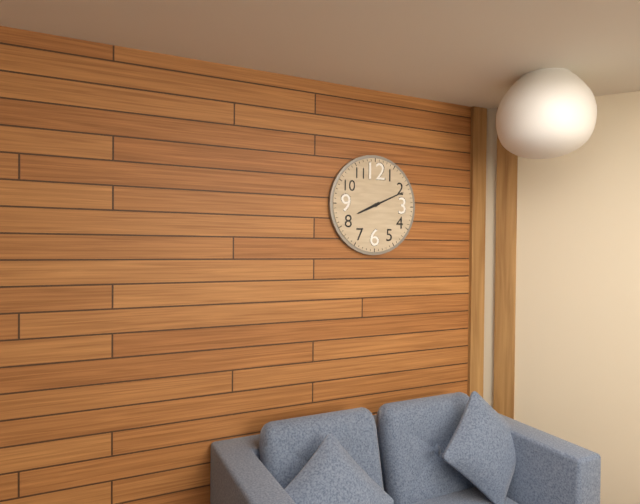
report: 8h11
